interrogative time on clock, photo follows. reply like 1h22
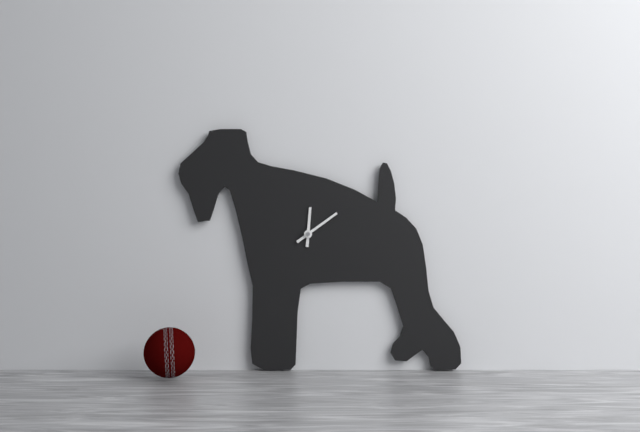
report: 12h09
